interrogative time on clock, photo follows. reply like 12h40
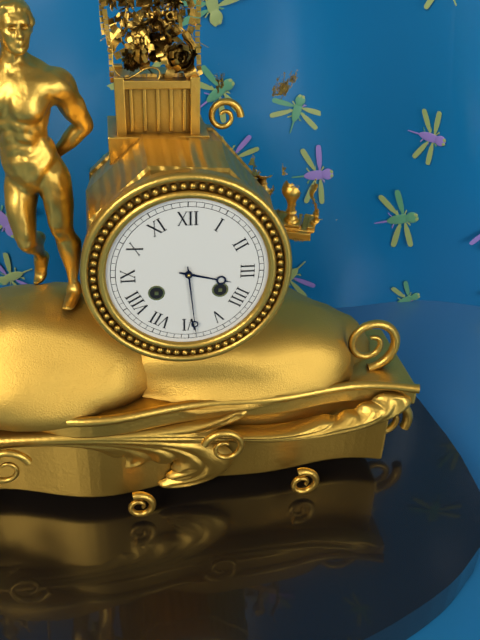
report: 3h29
